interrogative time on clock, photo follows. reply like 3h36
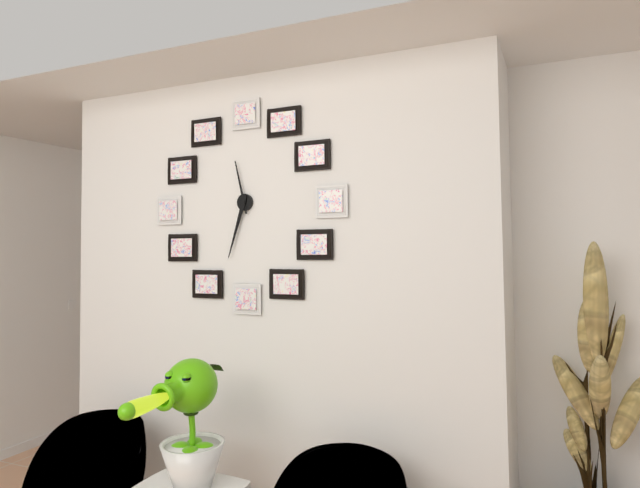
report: 11h33
